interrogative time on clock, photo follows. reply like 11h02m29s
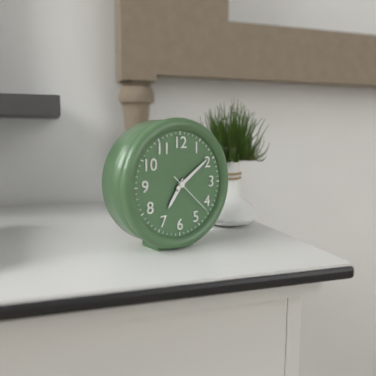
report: 7h09m22s
